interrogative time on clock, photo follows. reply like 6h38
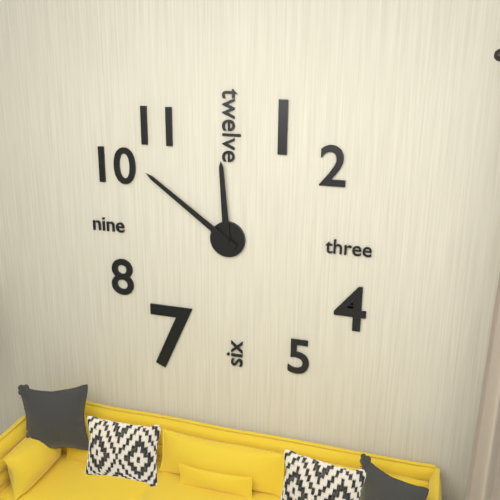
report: 11h51
